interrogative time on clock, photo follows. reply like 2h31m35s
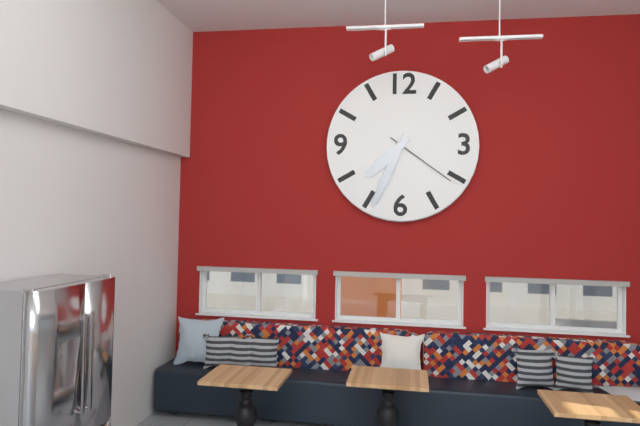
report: 7h34m21s
